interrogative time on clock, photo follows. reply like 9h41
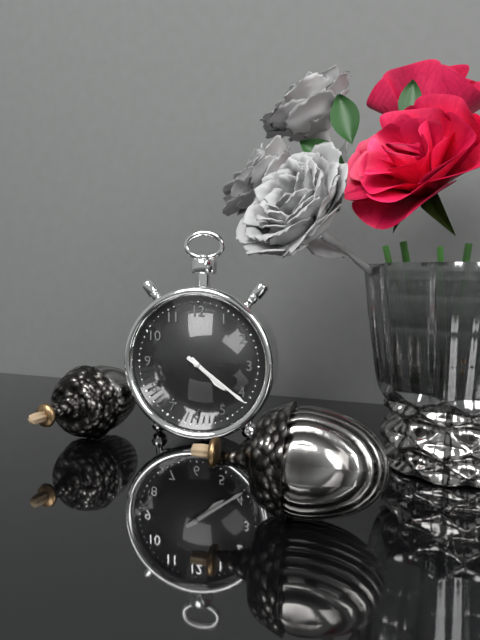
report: 4h21
